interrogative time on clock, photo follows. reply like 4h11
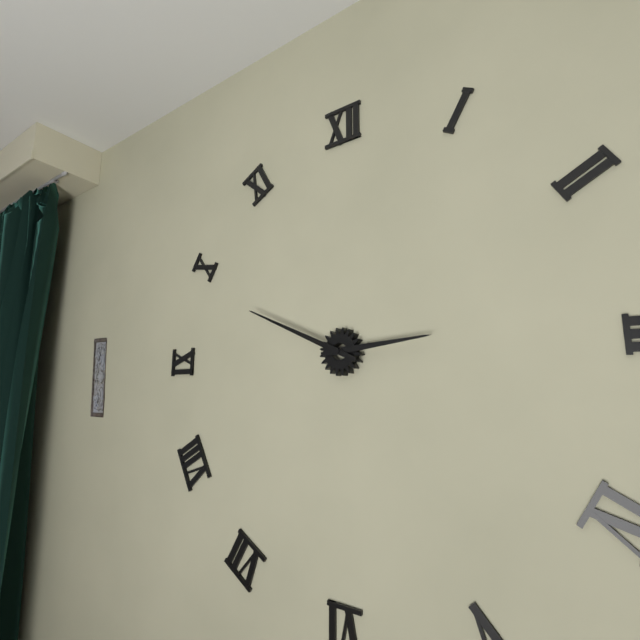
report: 2h49
